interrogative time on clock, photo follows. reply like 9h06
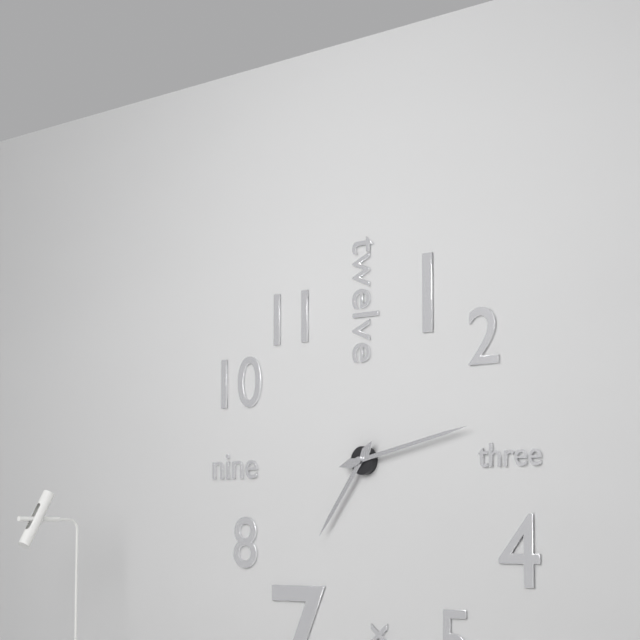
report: 7h13
